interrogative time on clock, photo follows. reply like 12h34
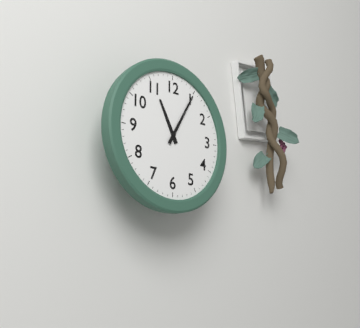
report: 11h05
